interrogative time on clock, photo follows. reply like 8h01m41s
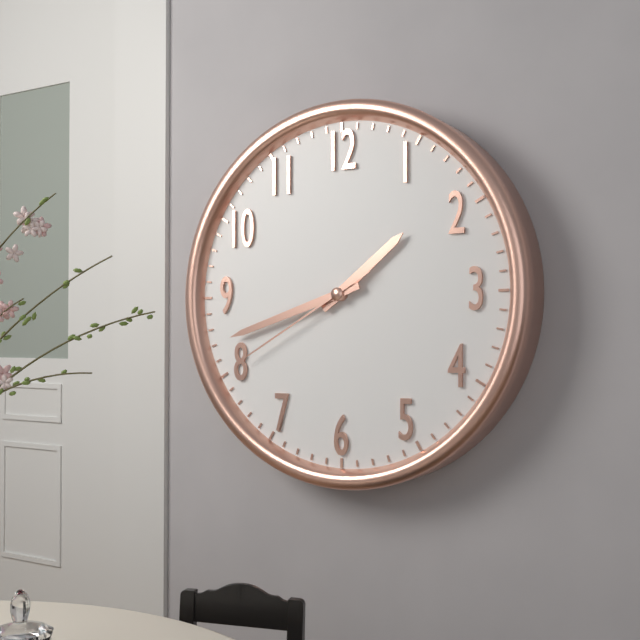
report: 1h42m40s
